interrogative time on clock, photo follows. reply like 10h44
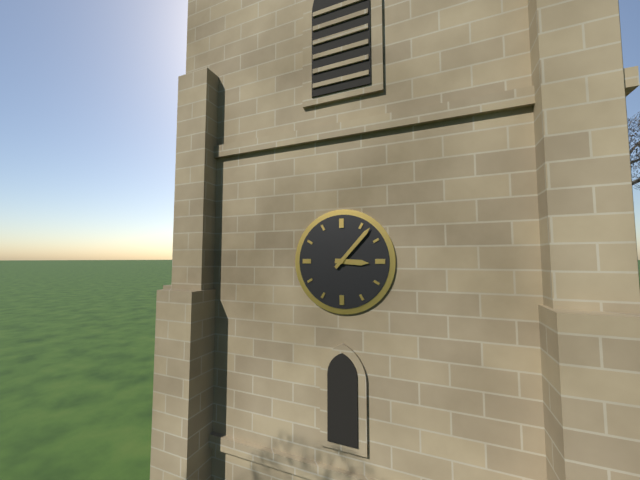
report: 3h07
